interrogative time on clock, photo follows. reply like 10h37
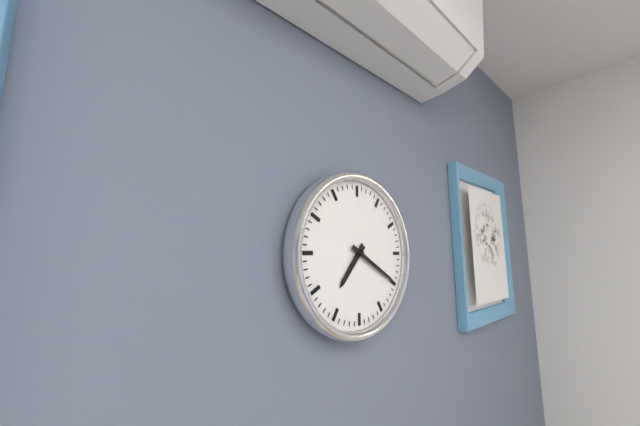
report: 7h20
